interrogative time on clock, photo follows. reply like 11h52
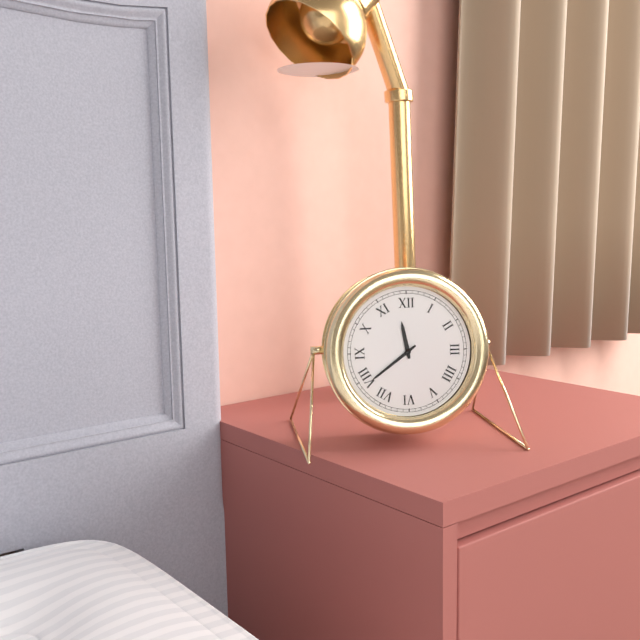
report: 11h39
